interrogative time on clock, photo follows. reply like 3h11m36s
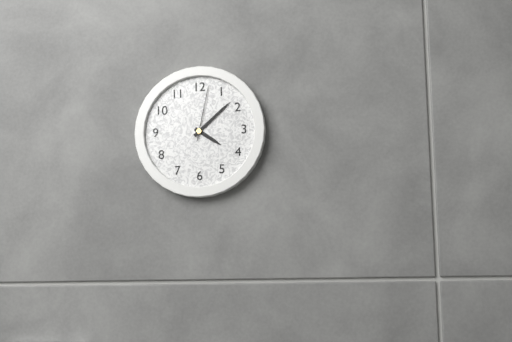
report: 4h08m02s
